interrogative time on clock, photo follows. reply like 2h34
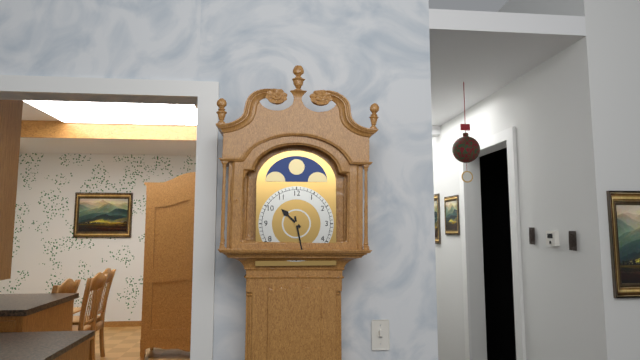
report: 10h28
